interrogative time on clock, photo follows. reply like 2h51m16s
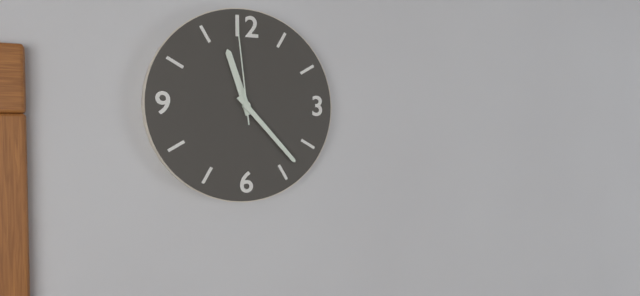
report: 11h23m59s
